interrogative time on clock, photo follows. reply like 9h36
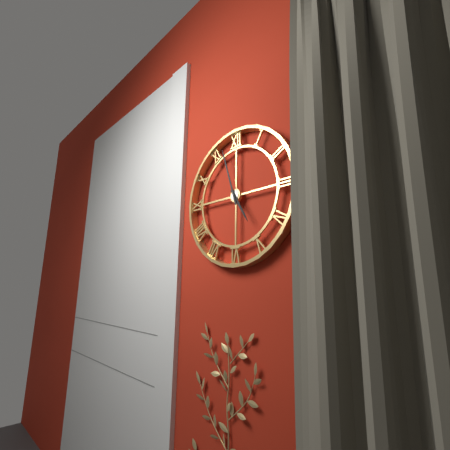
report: 4h57
